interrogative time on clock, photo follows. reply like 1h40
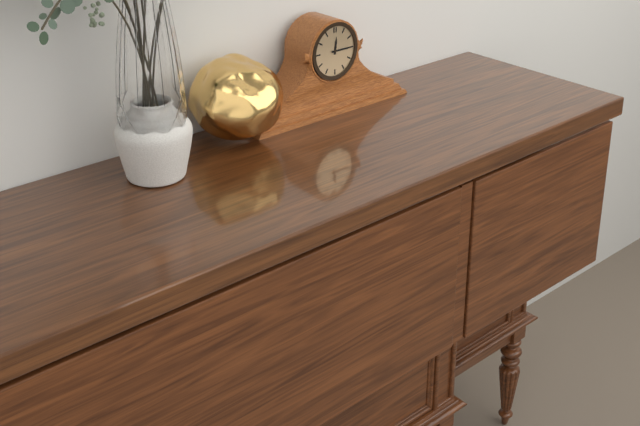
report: 12h15
